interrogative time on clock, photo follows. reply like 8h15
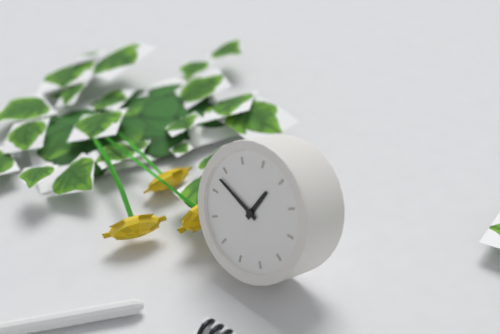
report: 12h48
